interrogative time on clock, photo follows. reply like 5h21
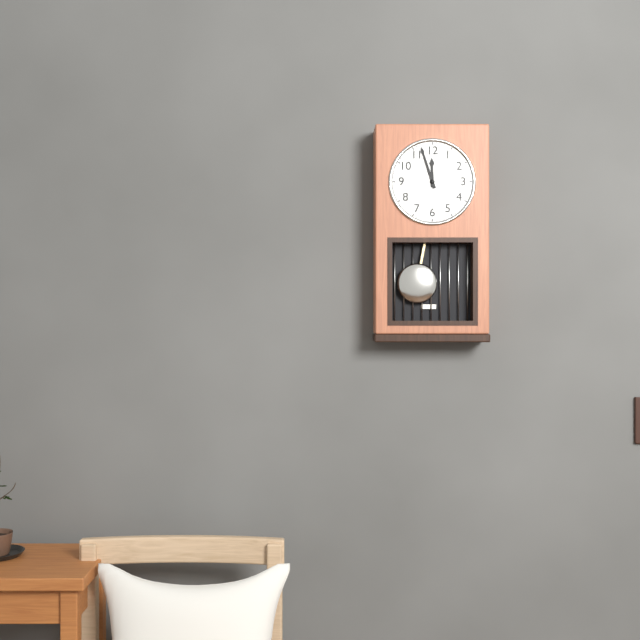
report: 11h57
